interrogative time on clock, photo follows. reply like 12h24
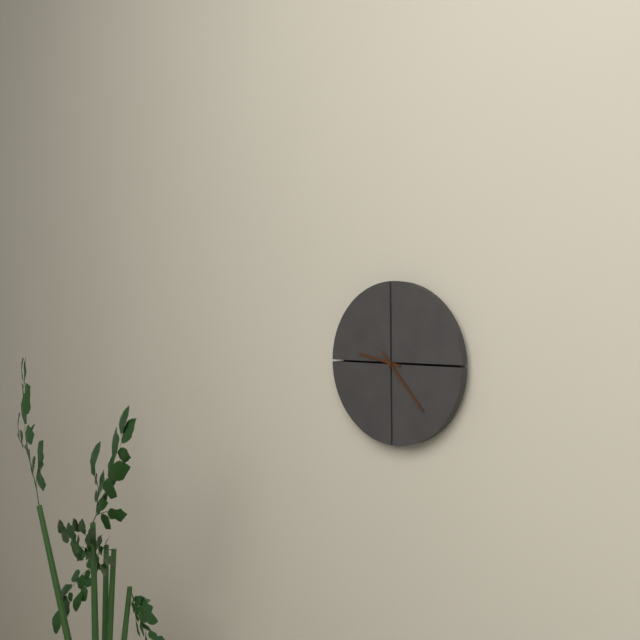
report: 9h23
